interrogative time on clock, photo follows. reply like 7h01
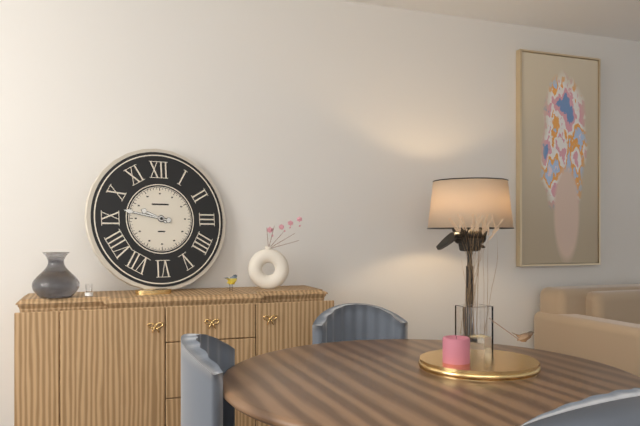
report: 9h47
